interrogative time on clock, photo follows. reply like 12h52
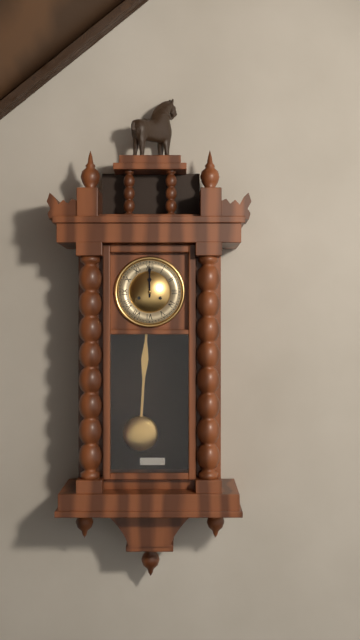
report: 12h00
